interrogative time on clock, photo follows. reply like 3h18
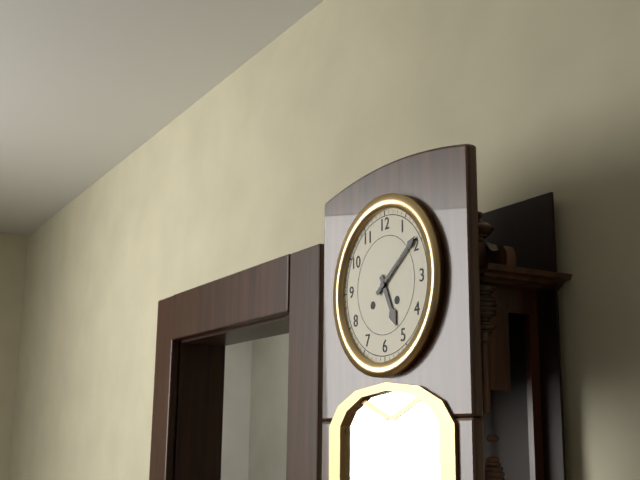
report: 5h09
